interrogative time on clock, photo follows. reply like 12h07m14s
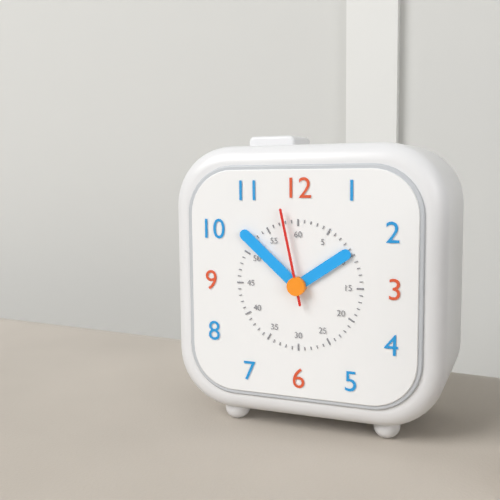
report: 1h52m58s
